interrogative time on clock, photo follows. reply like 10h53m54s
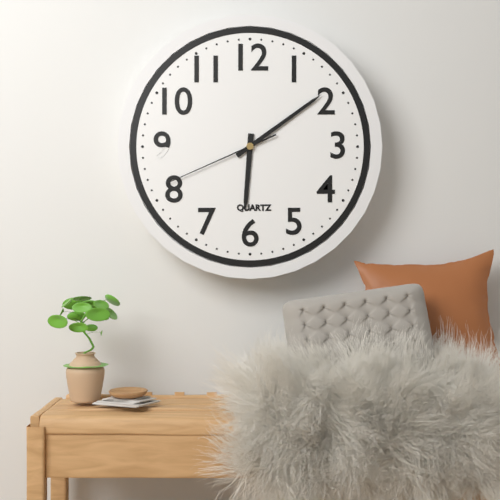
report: 6h09m41s
